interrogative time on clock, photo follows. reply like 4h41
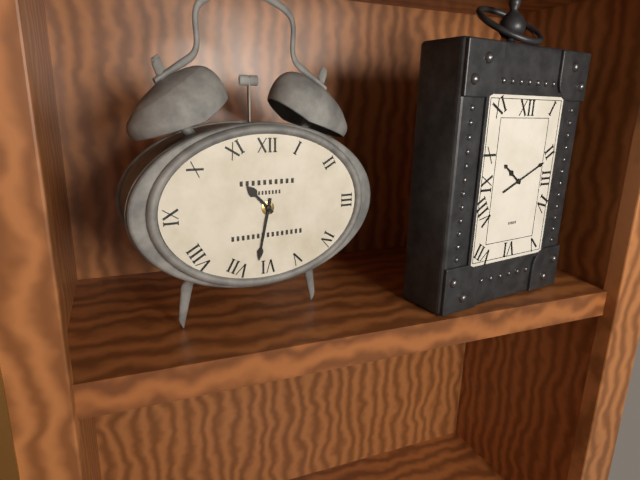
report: 10h32
